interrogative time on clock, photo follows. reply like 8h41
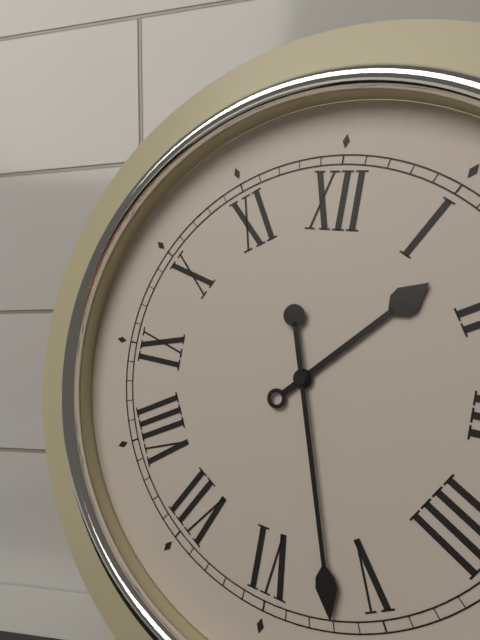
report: 1h27
